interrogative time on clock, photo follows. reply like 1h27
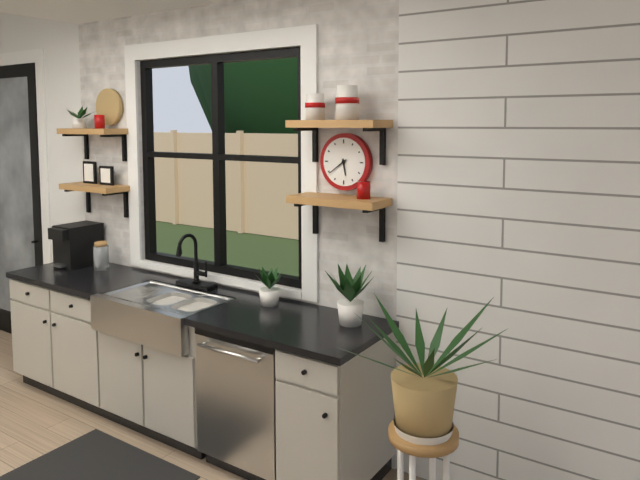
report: 5h39
